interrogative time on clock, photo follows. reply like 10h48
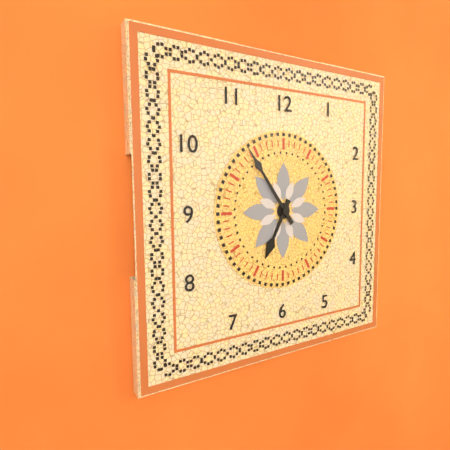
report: 6h54
